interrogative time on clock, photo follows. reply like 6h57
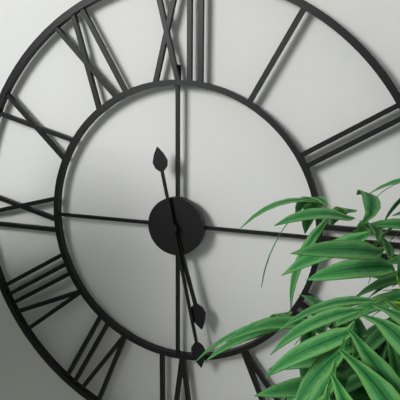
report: 5h28
